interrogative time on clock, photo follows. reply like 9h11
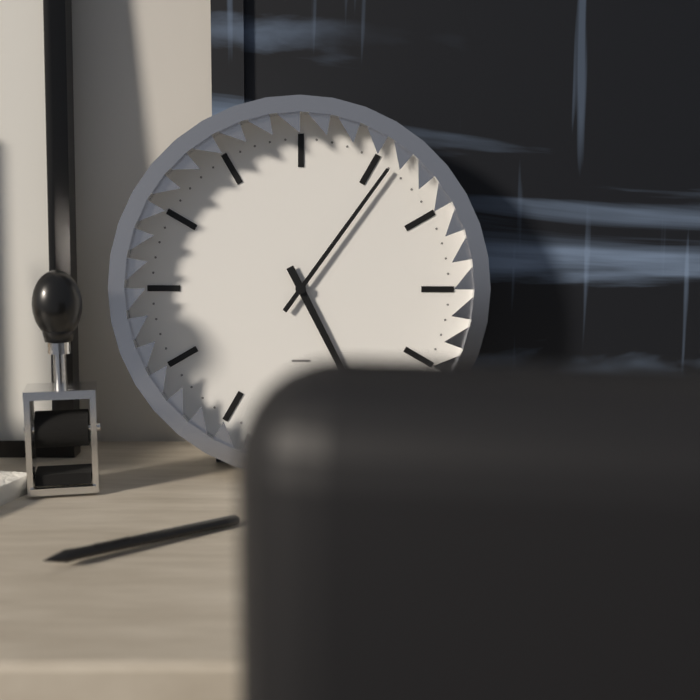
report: 5h06
